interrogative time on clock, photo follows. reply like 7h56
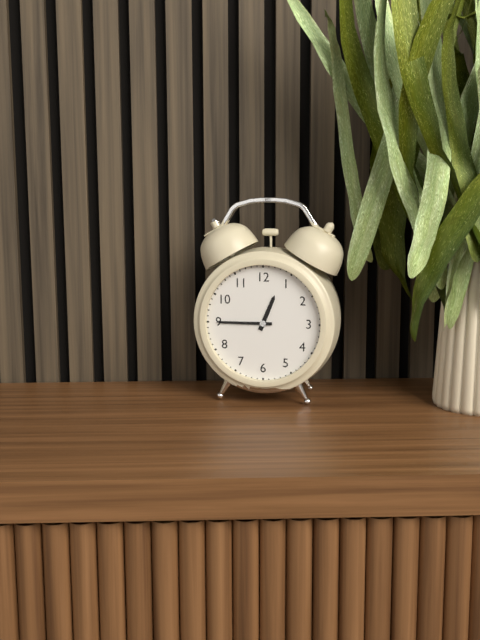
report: 12h45
